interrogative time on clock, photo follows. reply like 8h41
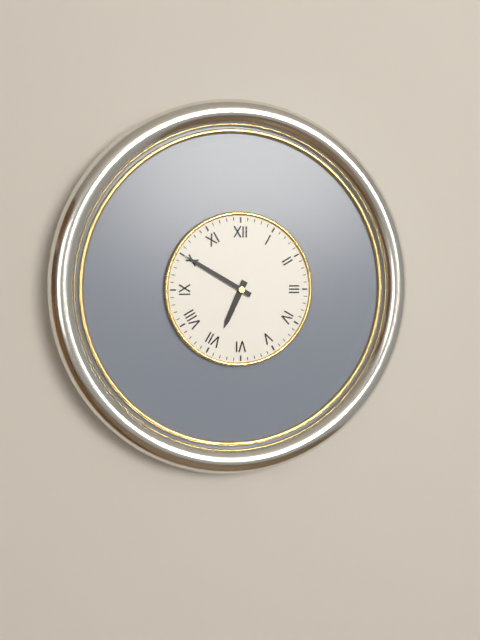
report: 6h50
